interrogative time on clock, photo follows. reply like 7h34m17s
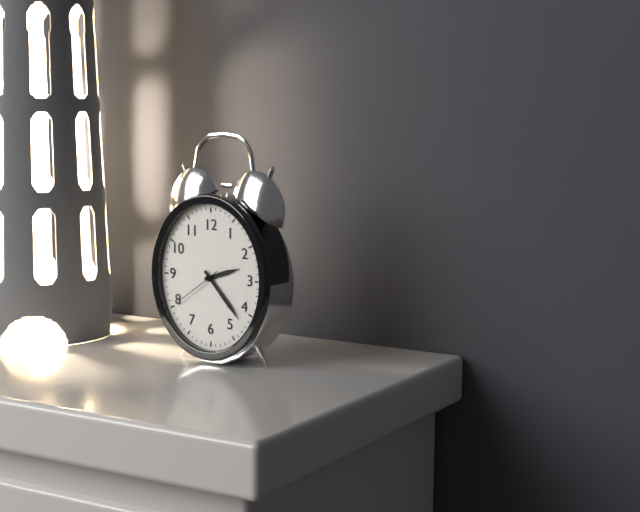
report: 2h23m39s
